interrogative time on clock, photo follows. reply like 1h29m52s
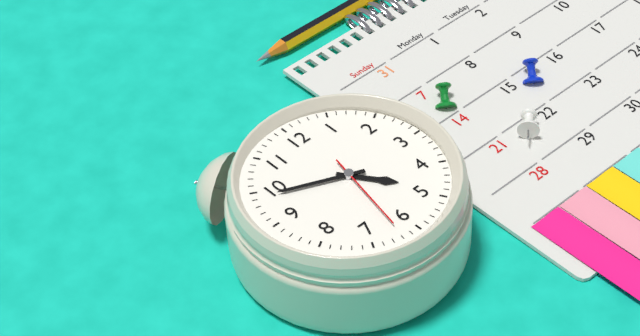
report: 4h49m32s
